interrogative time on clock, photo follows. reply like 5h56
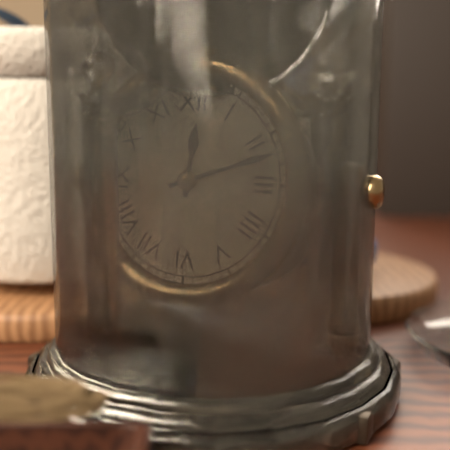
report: 12h12
